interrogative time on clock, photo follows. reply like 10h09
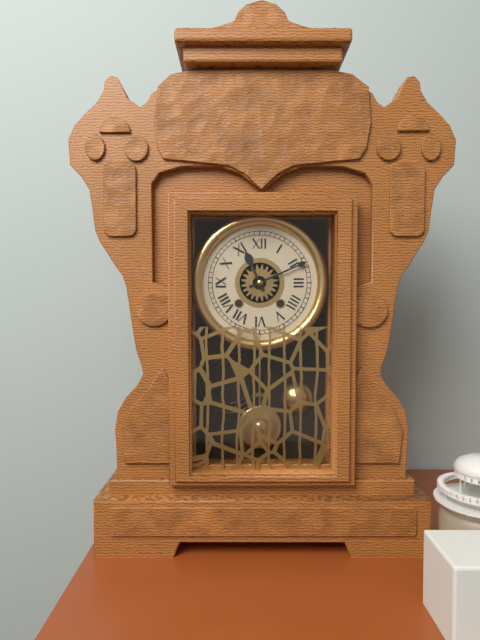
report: 11h11
